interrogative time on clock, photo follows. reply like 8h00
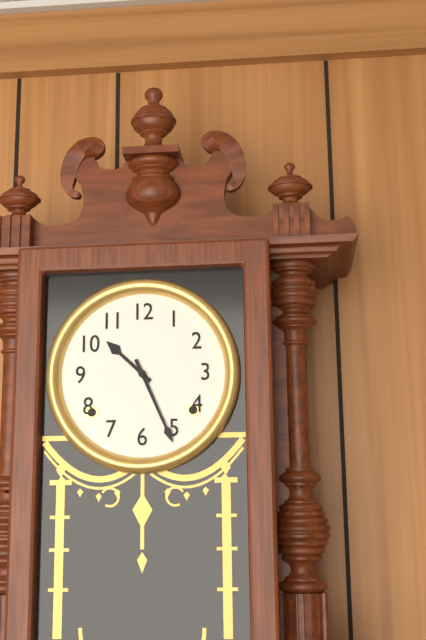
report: 10h26
